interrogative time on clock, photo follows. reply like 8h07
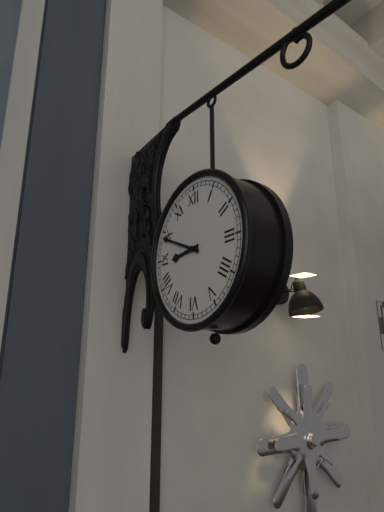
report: 8h49
